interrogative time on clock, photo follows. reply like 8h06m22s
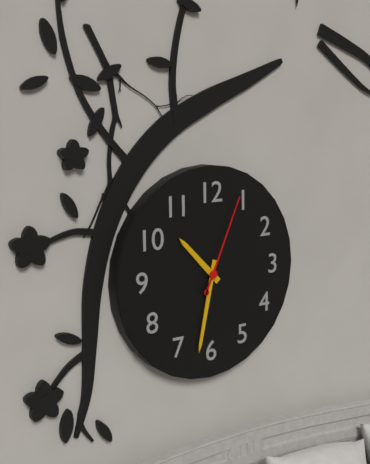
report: 10h32m04s
